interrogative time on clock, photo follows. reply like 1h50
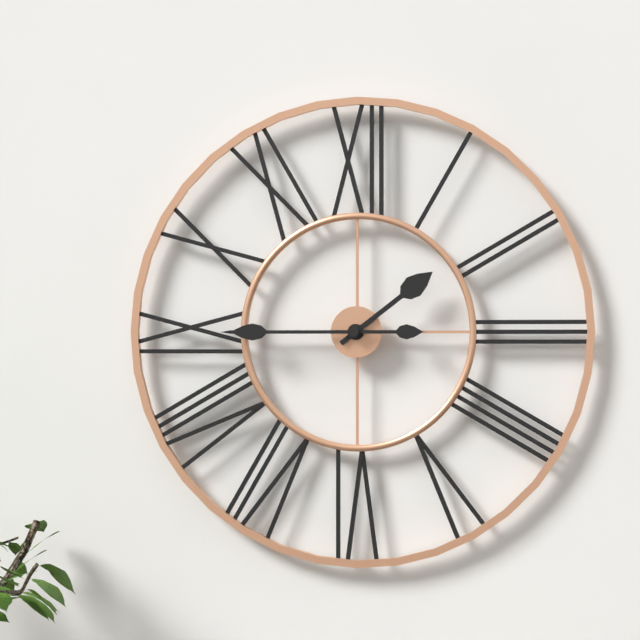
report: 1h45
